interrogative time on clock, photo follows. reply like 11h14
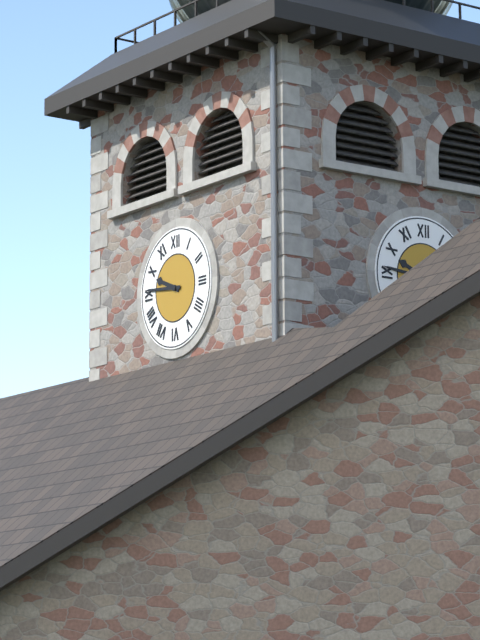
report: 9h46
